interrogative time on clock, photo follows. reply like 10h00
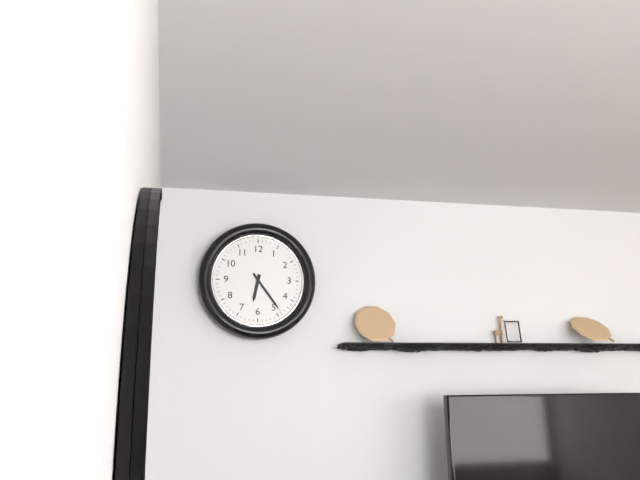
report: 6h24
